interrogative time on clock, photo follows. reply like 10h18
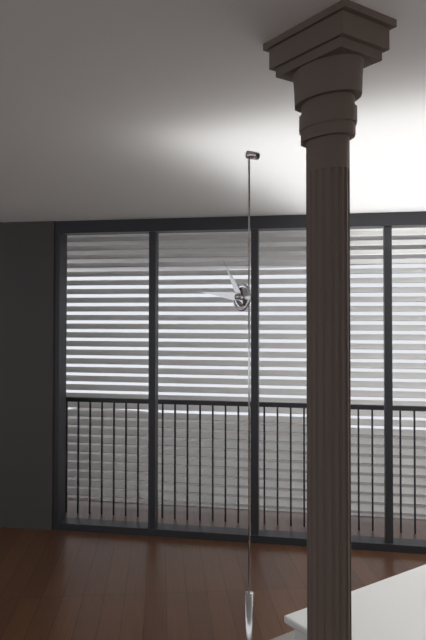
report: 10h46
